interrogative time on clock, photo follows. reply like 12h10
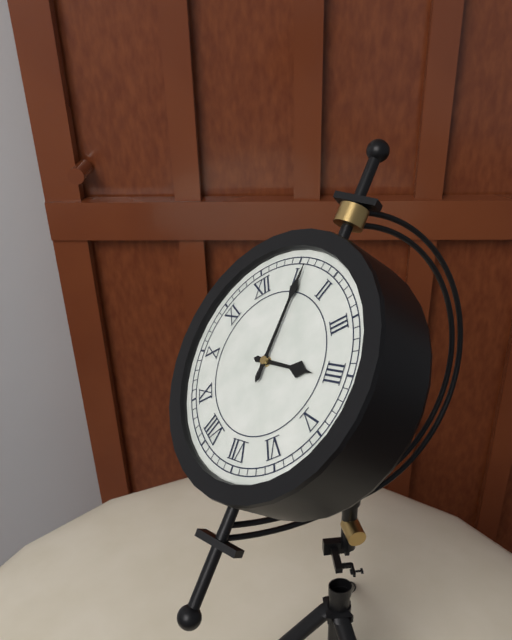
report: 4h06
